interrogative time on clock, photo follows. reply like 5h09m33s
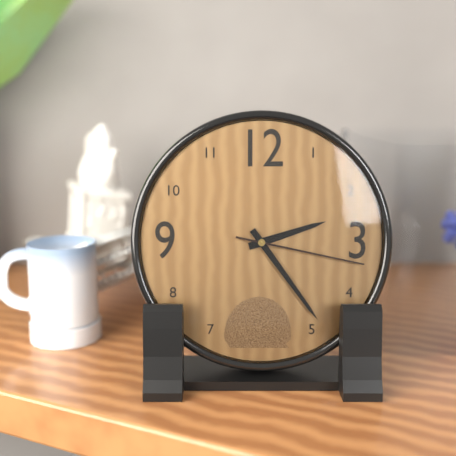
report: 2h24m17s
